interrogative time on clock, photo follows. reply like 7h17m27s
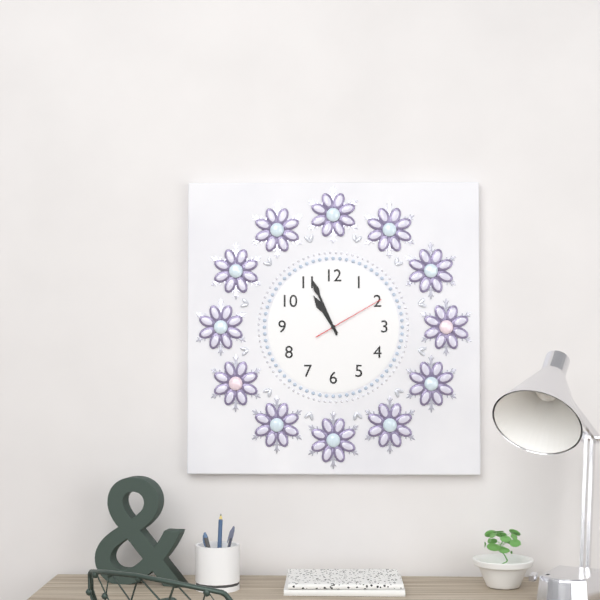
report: 10h56m10s
